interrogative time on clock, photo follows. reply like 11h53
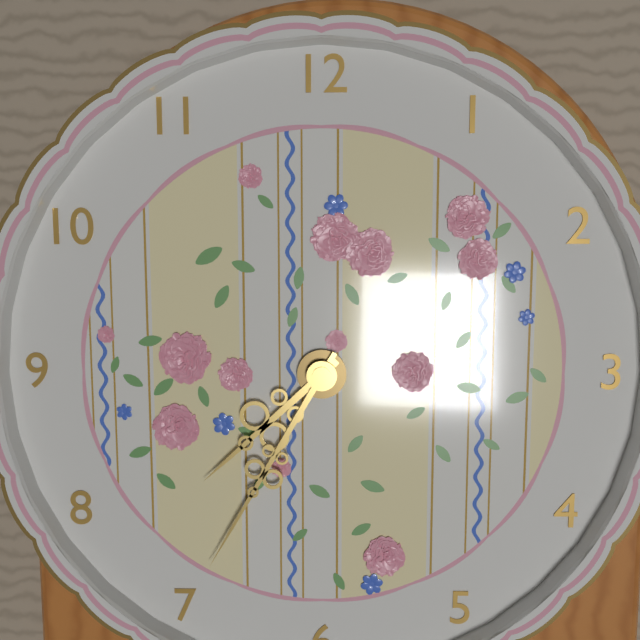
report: 7h35
